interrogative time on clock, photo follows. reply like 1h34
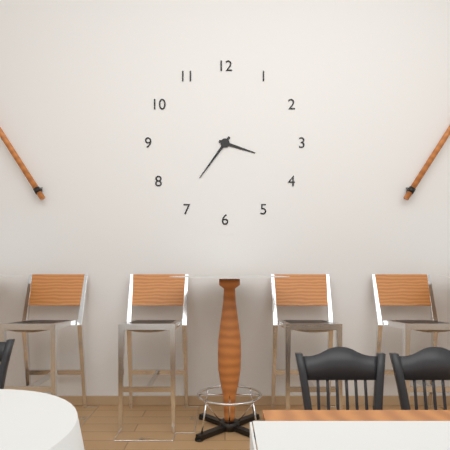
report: 3h36
